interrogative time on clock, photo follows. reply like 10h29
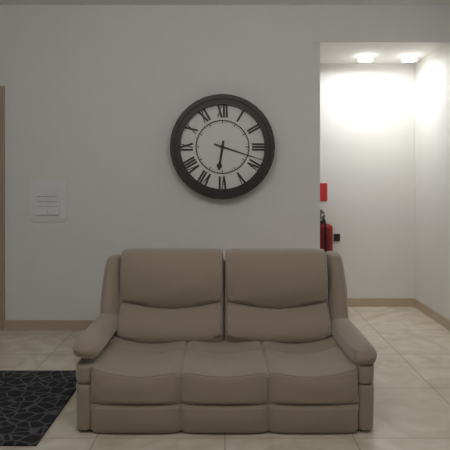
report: 6h18
